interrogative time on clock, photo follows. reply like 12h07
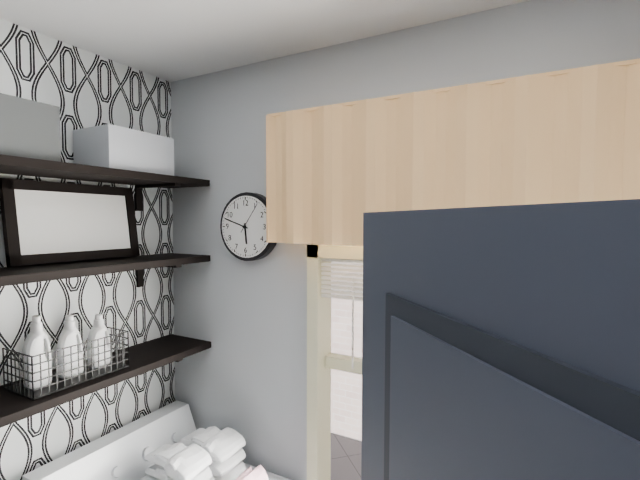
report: 5h48
